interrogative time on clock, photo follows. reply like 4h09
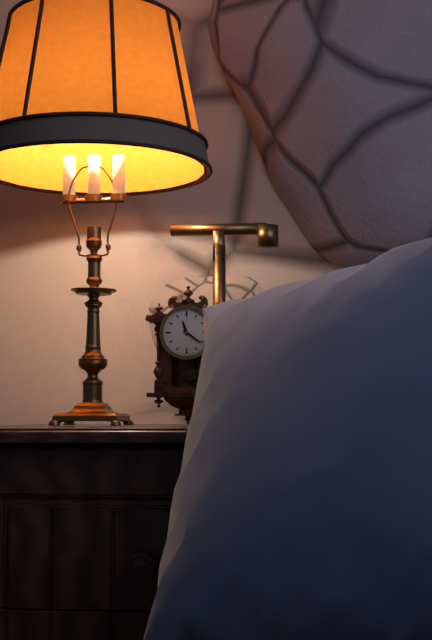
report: 11h21
